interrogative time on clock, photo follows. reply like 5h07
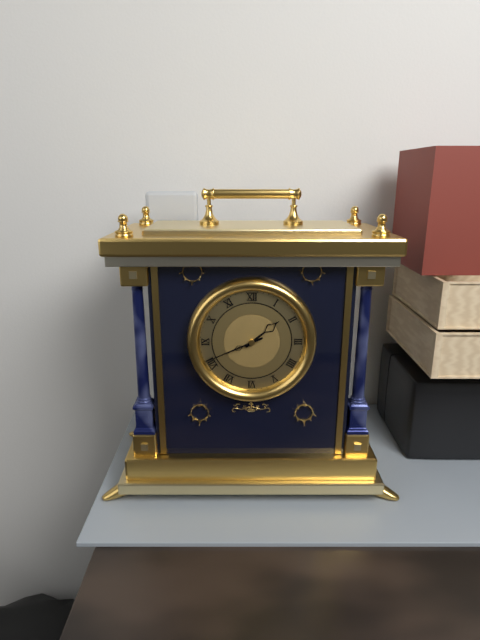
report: 1h41
